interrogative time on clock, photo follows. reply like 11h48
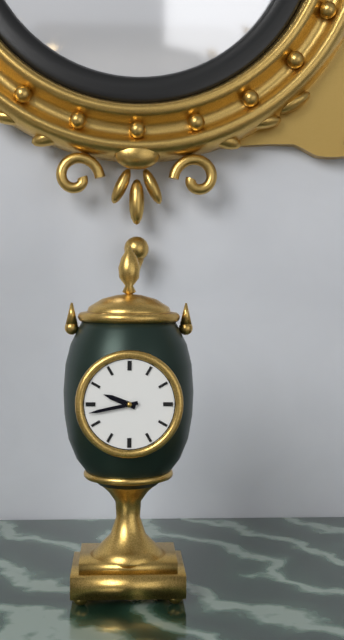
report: 9h43
